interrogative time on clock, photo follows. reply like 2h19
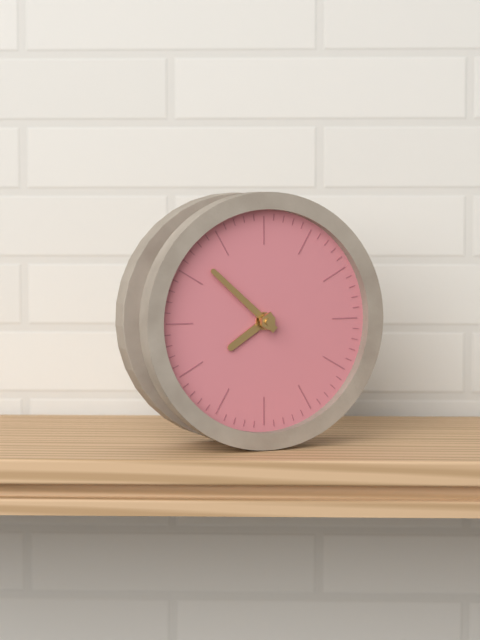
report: 7h52
